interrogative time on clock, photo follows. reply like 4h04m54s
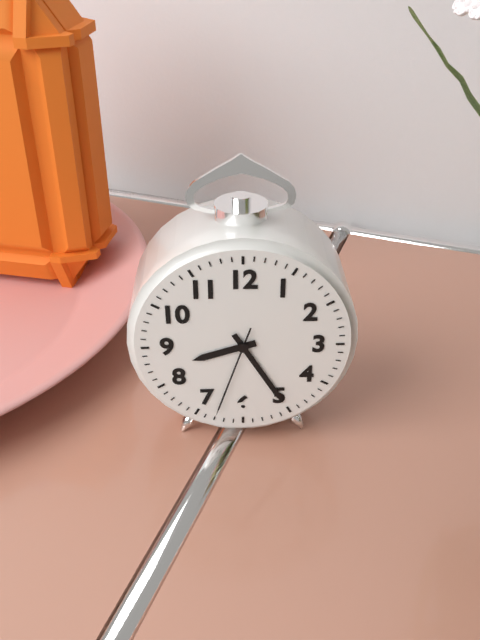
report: 8h25m33s
